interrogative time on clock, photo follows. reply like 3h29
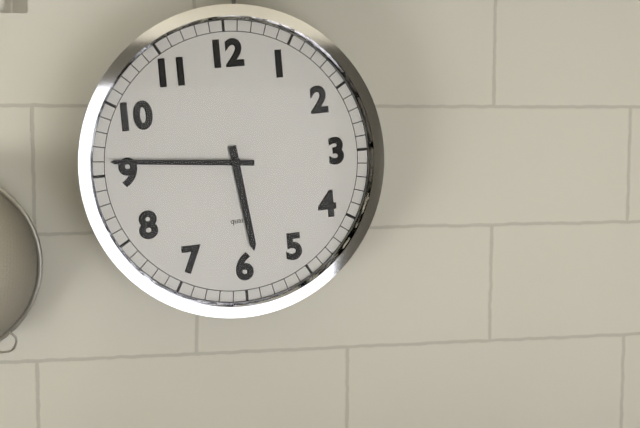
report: 5h46
